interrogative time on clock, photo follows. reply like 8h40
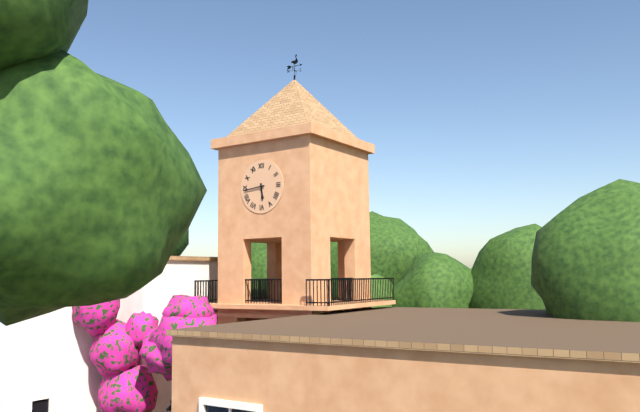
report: 5h44
